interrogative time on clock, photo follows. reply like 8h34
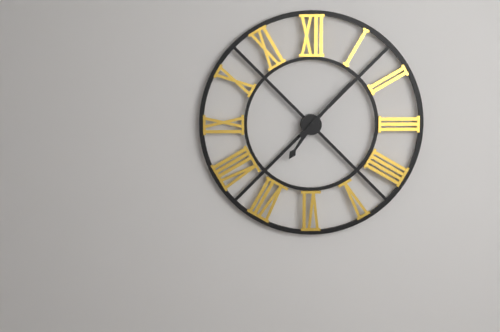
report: 7h07
